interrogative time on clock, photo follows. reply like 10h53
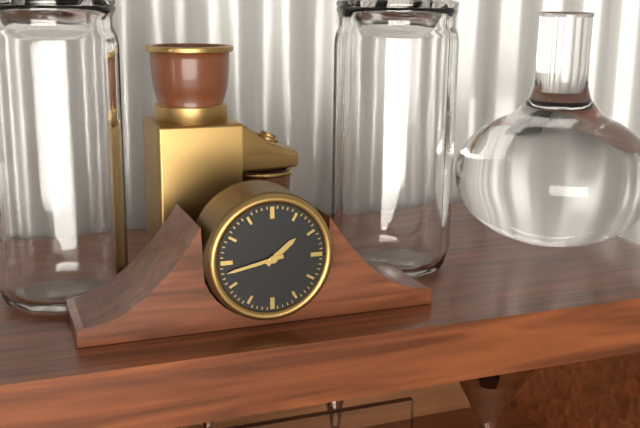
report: 1h43
